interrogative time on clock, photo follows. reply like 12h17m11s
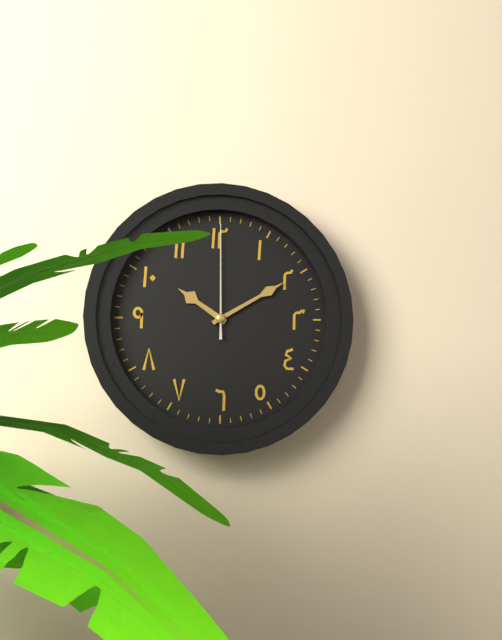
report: 10h10m00s
